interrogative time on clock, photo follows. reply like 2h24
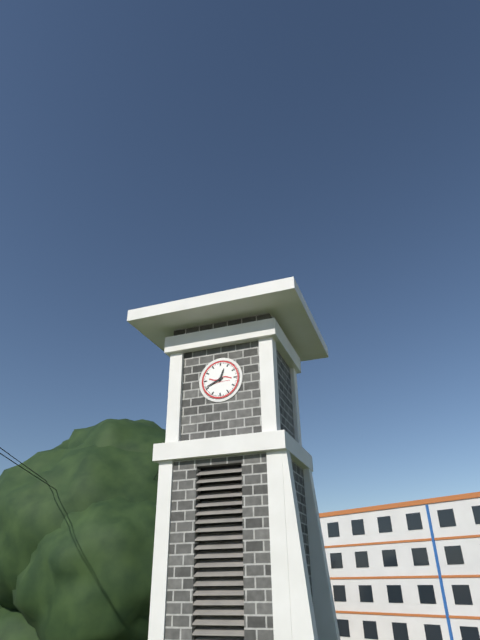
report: 12h41
